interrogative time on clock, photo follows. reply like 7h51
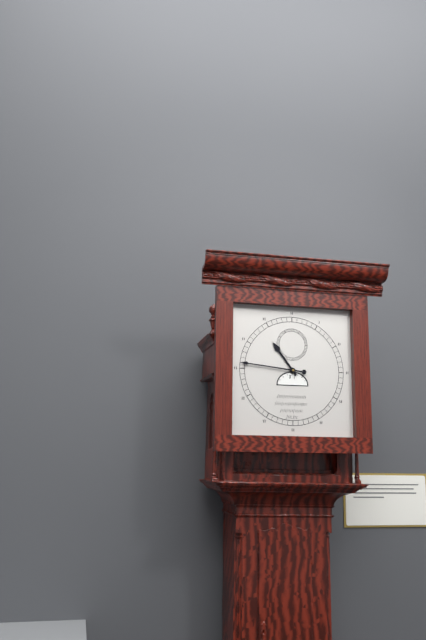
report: 10h46
